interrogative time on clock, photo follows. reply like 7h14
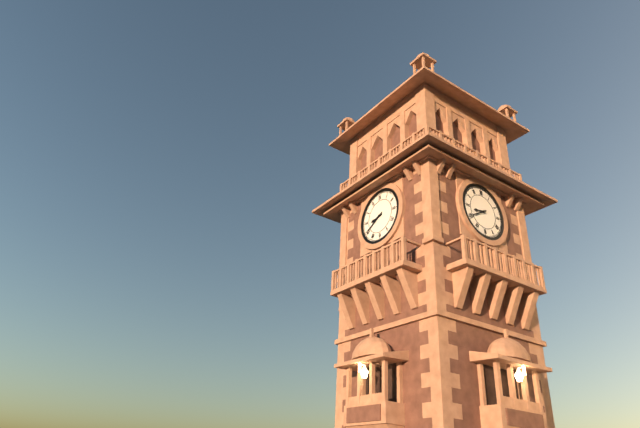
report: 8h40
